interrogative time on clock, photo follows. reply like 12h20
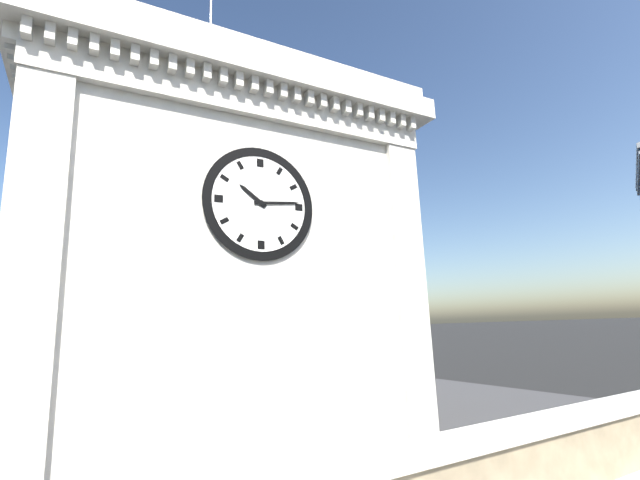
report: 10h14
